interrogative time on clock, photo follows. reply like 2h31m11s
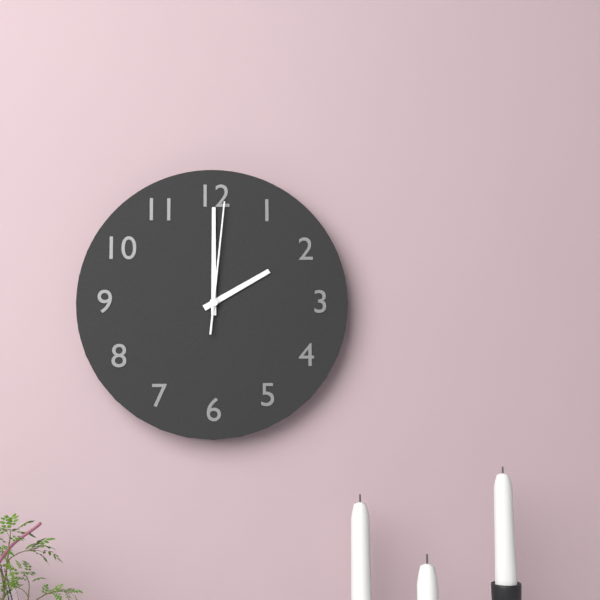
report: 2h00m01s
